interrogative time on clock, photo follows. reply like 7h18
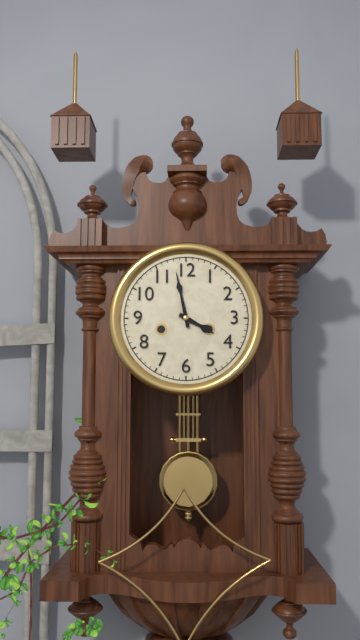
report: 3h58
